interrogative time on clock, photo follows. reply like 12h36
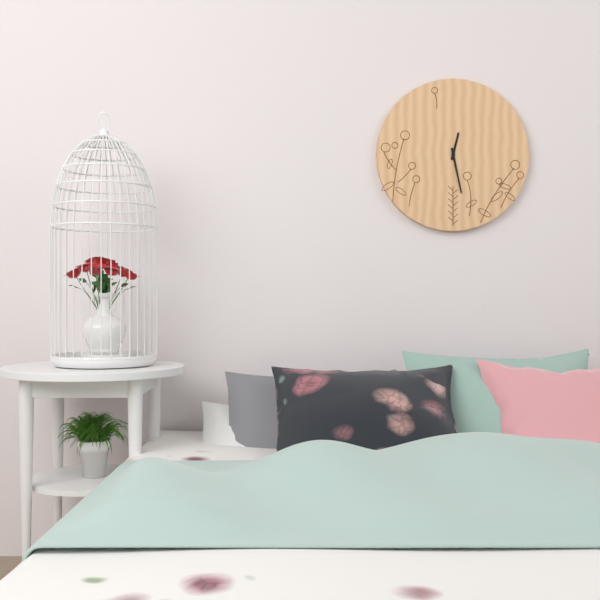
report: 12h28
